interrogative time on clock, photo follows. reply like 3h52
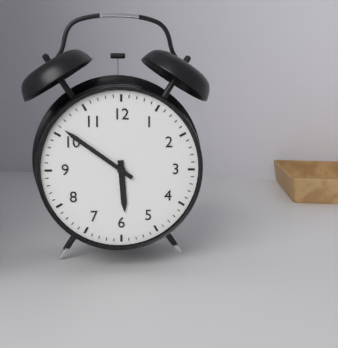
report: 5h51
